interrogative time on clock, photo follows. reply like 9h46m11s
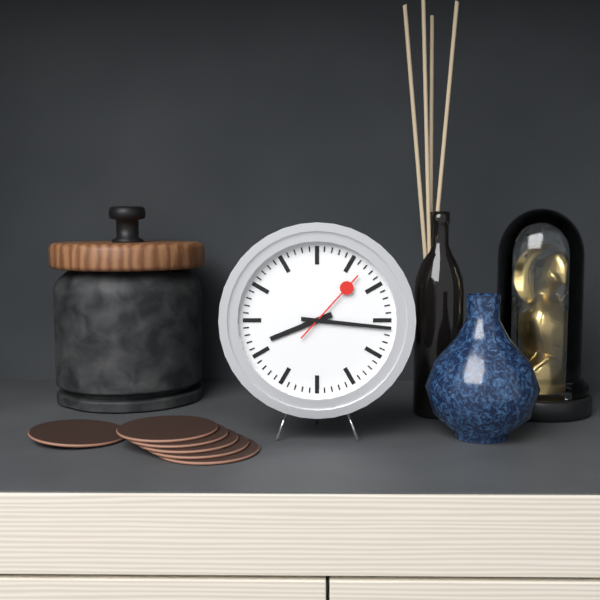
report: 8h16m07s
